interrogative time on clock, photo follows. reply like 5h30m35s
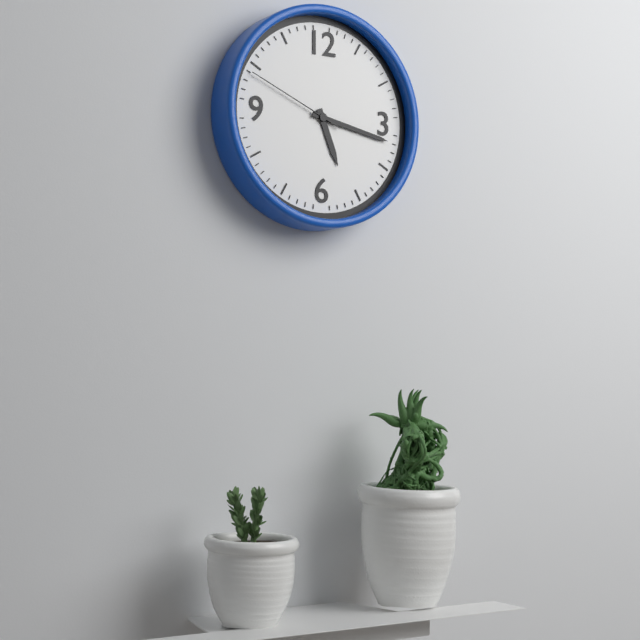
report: 5h17m49s
